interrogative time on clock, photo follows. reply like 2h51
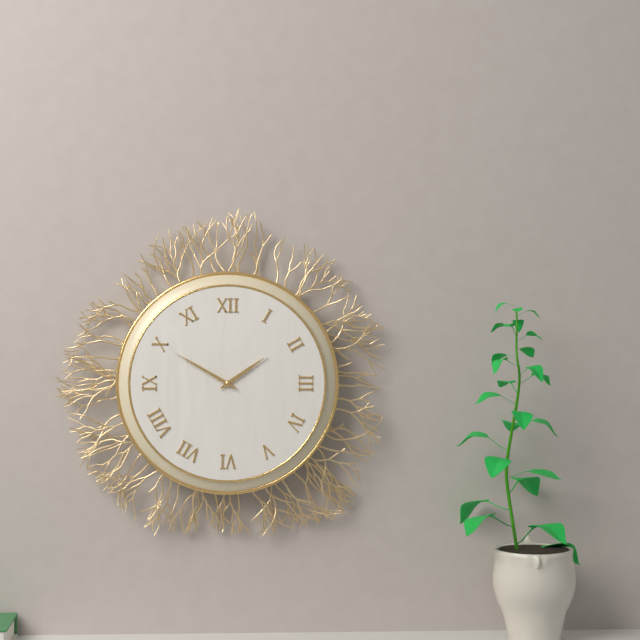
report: 1h50
